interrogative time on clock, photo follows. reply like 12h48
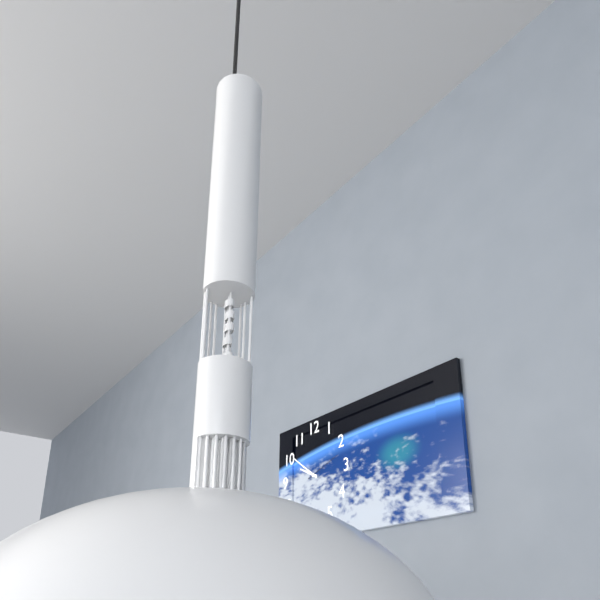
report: 9h51
